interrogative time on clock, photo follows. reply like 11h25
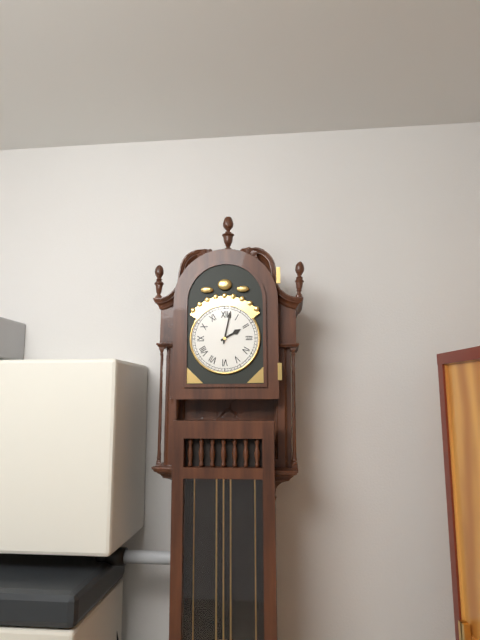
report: 2h02
